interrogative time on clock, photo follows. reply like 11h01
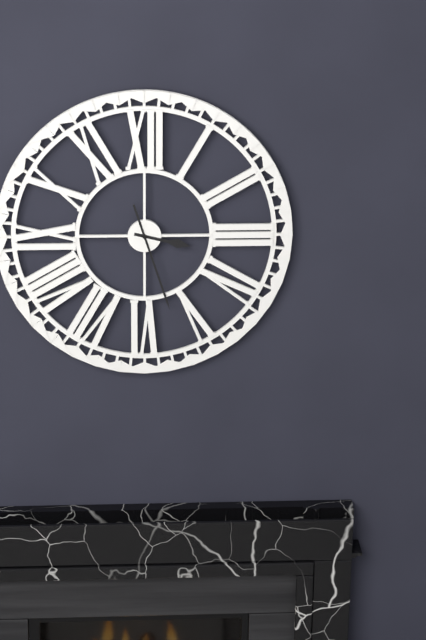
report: 3h27
